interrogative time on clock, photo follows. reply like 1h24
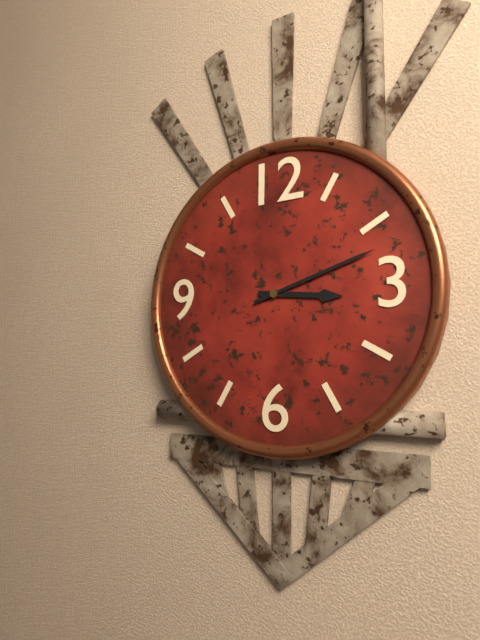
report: 3h12
